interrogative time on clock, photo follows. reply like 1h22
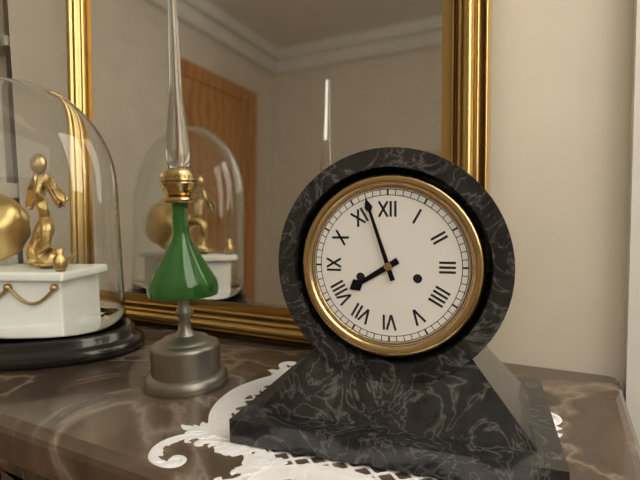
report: 7h57
